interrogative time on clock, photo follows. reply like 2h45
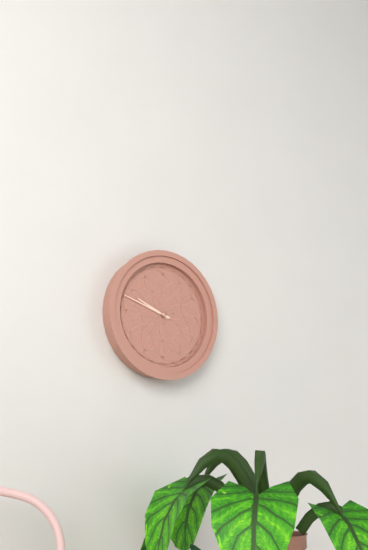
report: 9h48
